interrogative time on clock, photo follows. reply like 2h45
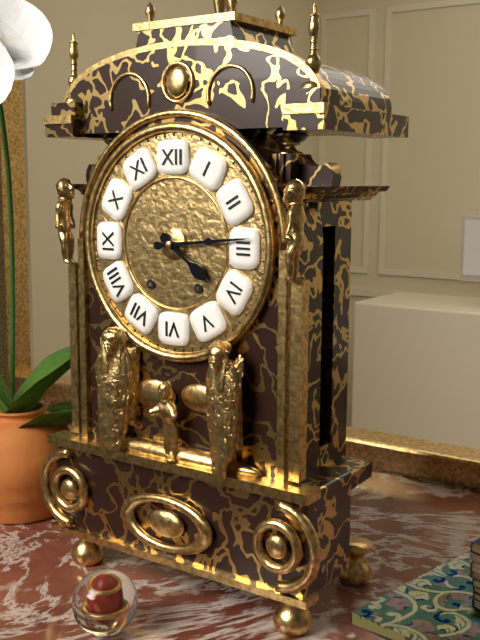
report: 4h14
